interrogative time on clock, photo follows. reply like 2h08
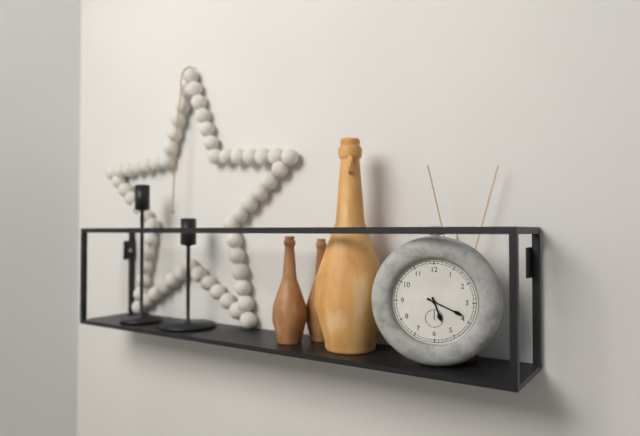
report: 5h19
